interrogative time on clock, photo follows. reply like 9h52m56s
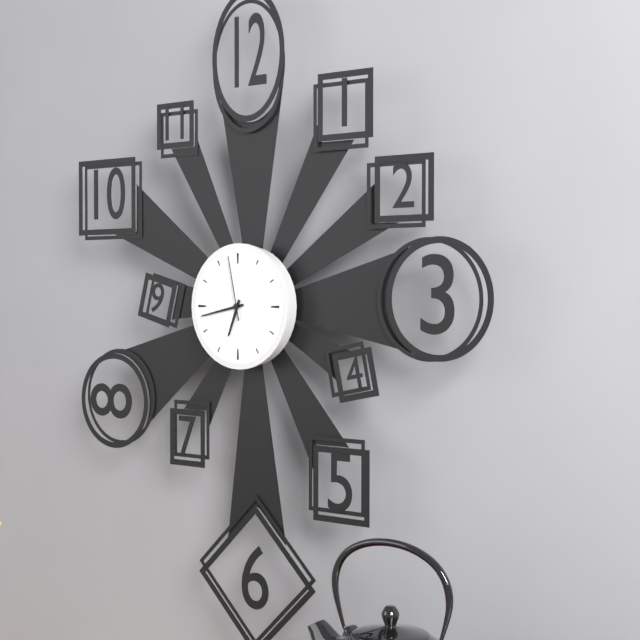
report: 6h43m58s
